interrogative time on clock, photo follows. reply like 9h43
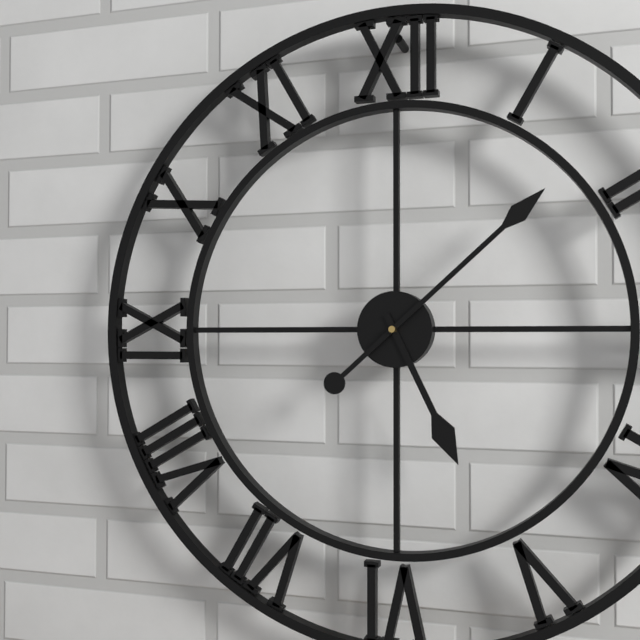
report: 5h08
